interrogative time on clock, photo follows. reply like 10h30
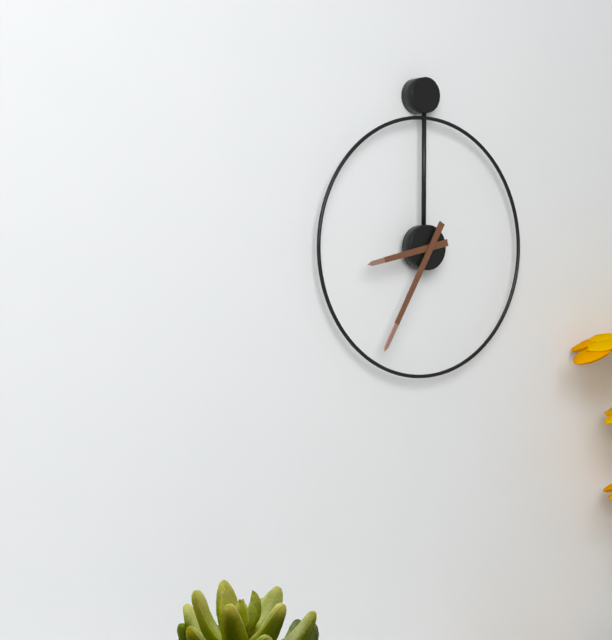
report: 8h35
